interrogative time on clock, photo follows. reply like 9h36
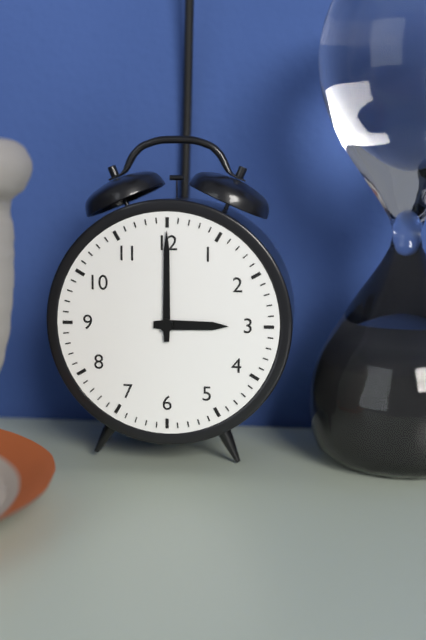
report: 3h00
